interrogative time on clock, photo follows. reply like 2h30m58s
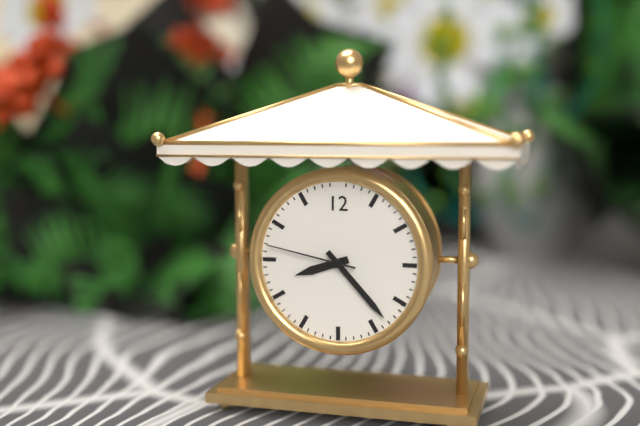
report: 8h23m47s
